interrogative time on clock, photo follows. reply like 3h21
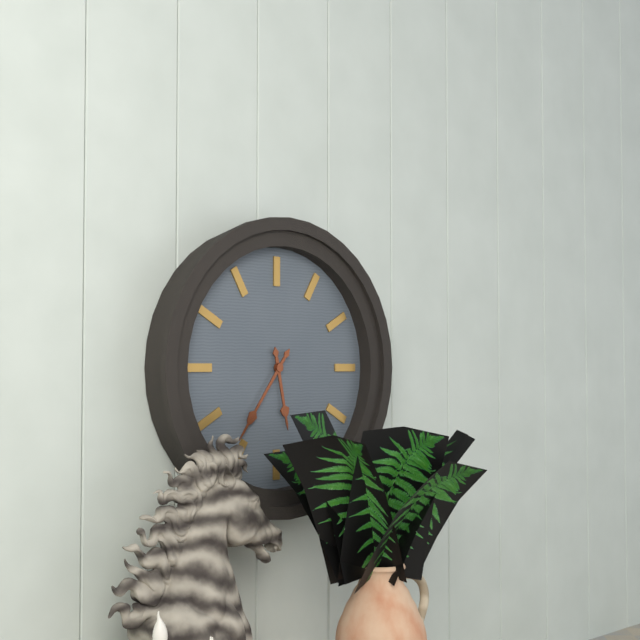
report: 5h36
